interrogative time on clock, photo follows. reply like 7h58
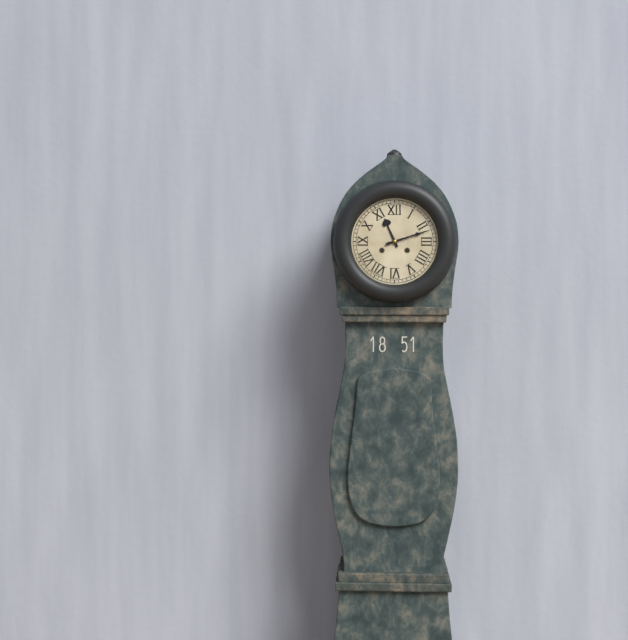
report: 11h12
